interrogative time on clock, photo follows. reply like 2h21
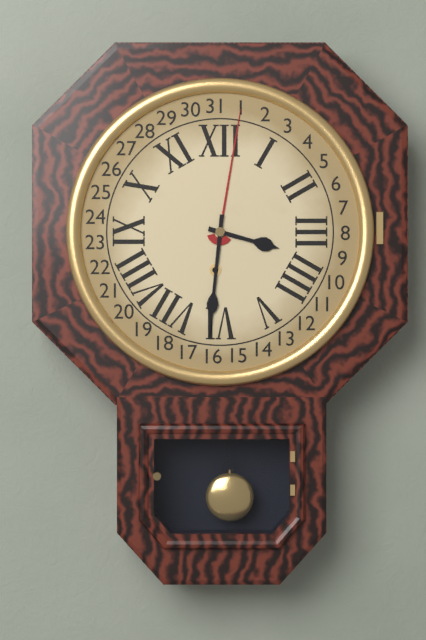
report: 3h31
